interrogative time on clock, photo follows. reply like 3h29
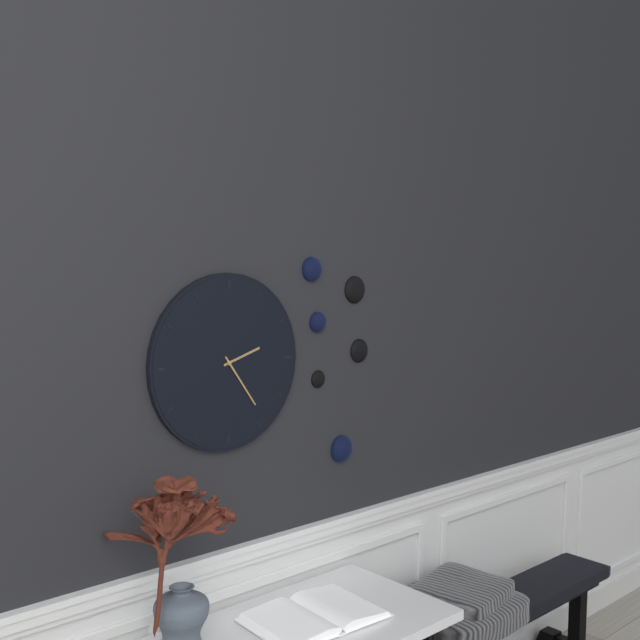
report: 2h24
